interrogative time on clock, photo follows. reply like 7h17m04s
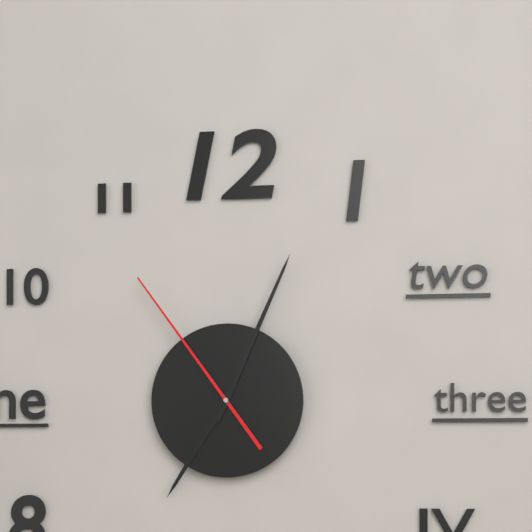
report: 7h04m54s
